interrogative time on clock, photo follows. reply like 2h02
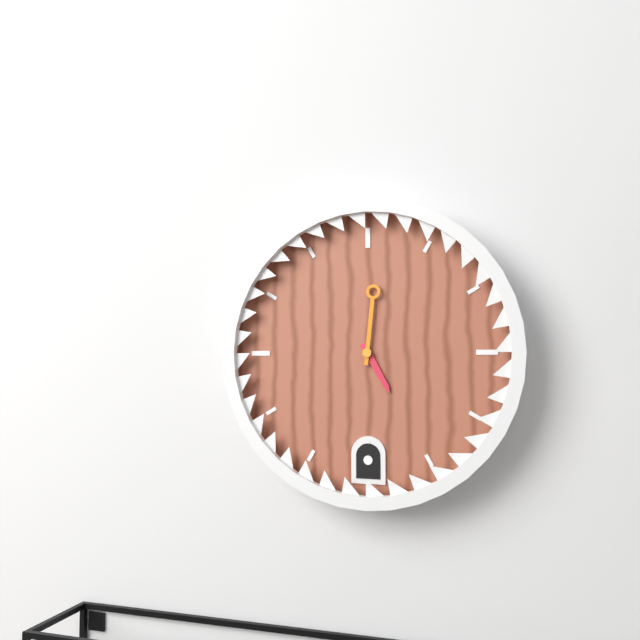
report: 5h01
